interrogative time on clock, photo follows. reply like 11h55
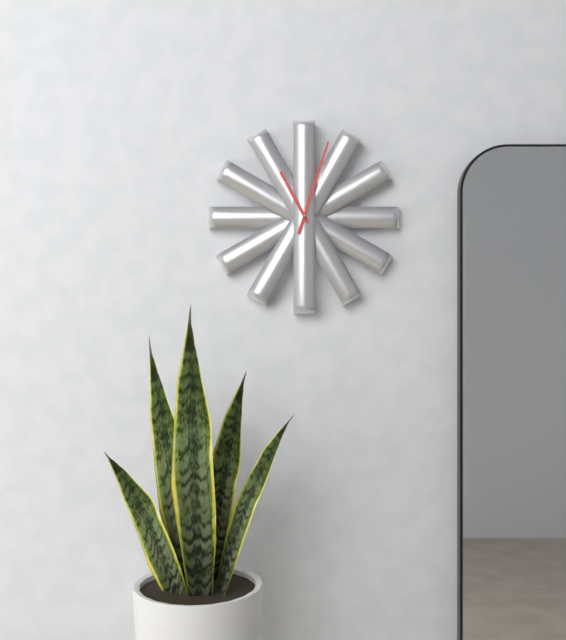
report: 11h03
